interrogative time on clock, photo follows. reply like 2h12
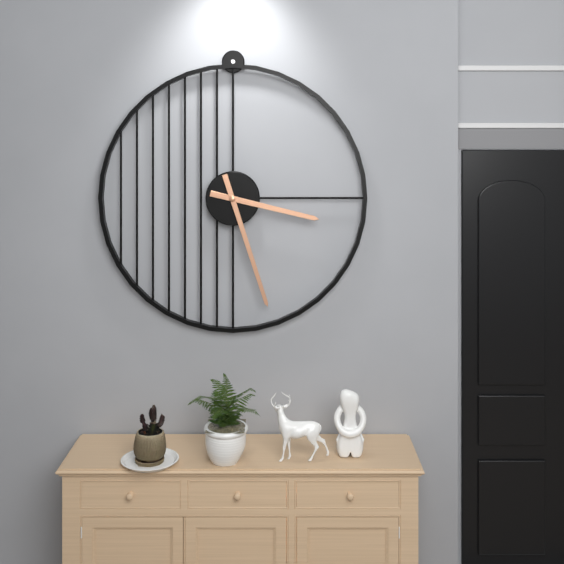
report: 3h27
